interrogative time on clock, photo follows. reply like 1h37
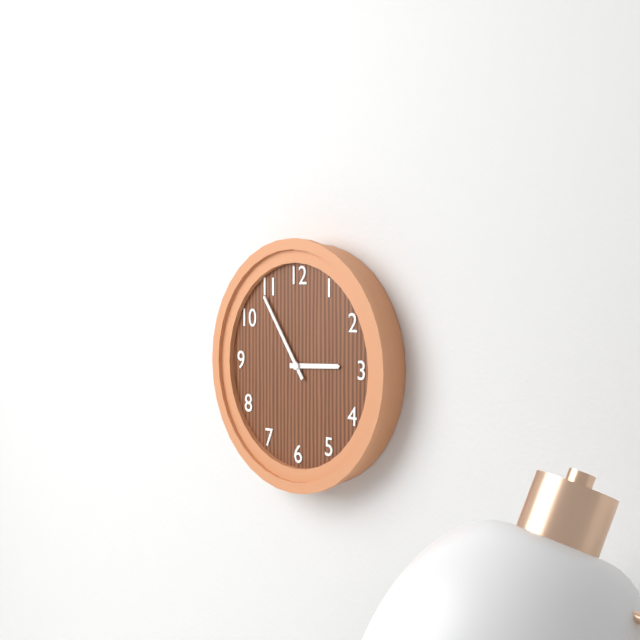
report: 2h54
